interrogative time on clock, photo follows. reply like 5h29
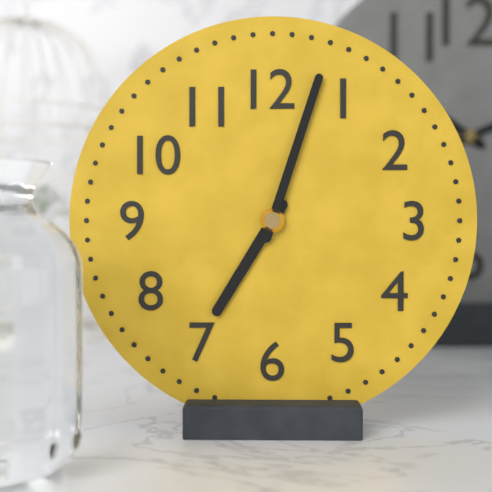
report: 7h03
